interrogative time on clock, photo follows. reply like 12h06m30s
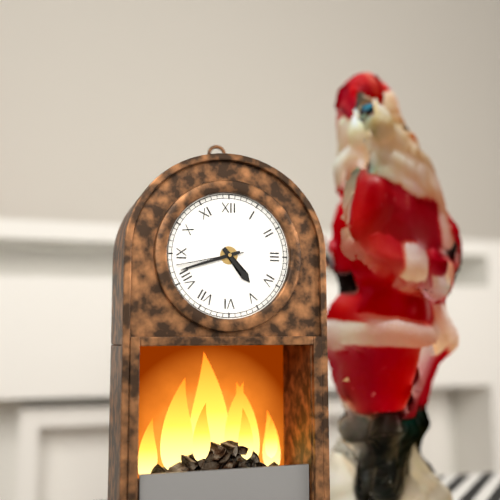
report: 4h42m43s
